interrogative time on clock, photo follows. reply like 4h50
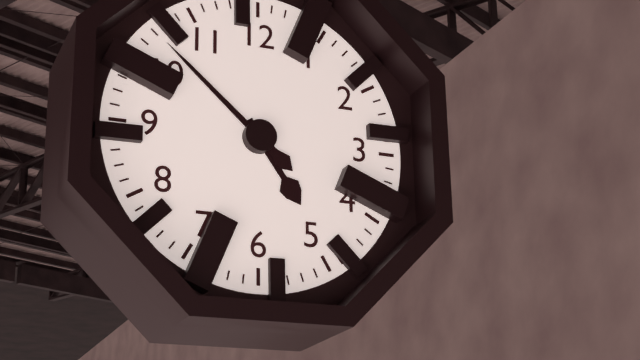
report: 4h52
